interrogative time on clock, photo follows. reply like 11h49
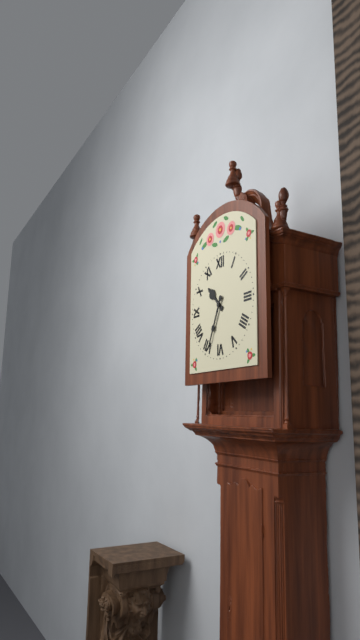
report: 10h34
